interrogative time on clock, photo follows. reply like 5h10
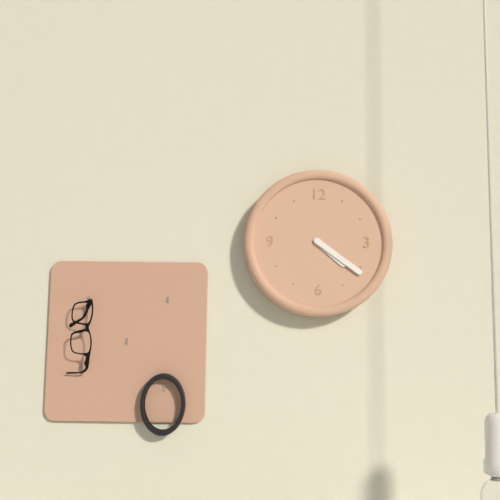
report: 4h21
